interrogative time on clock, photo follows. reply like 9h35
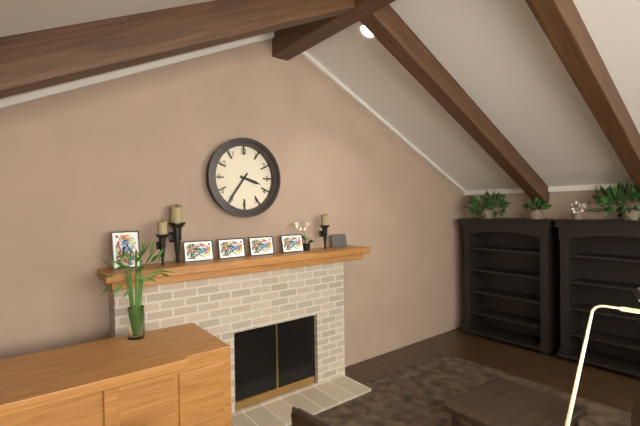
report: 3h36
